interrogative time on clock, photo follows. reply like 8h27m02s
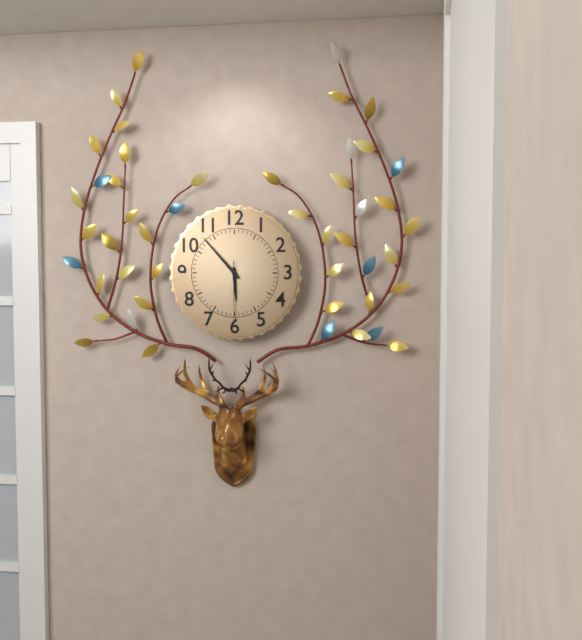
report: 5h53m30s
